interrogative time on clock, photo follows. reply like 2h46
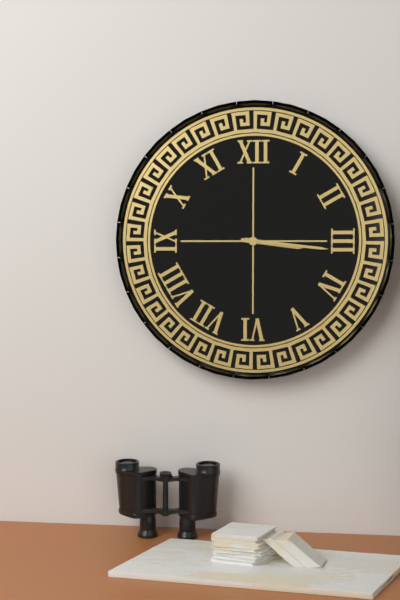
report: 3h16
